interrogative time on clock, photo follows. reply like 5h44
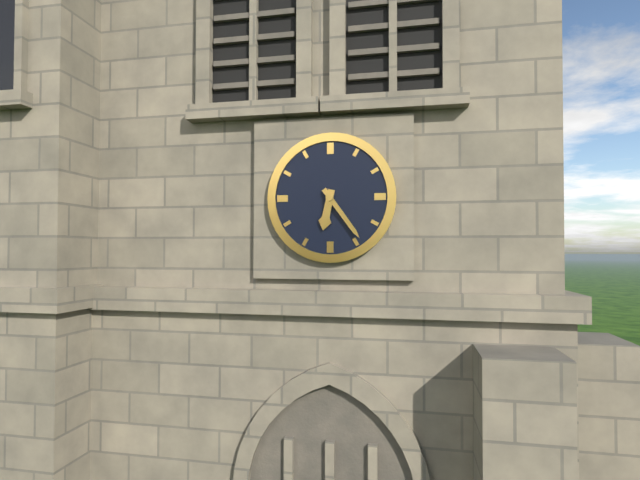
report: 6h24
